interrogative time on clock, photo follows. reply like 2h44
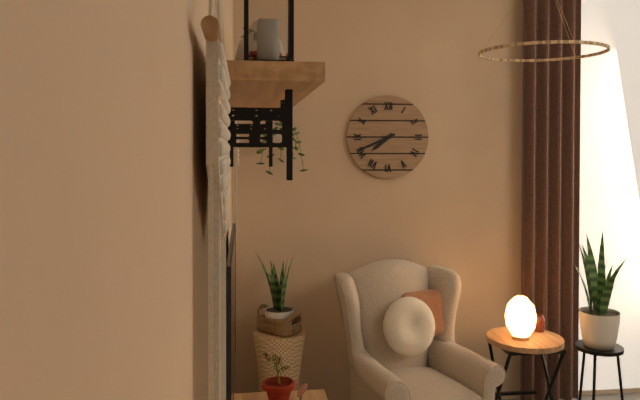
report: 7h41
